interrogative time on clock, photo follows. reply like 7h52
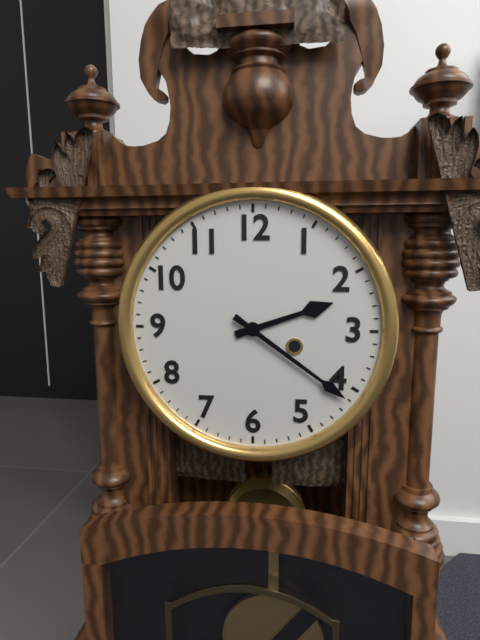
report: 2h21
